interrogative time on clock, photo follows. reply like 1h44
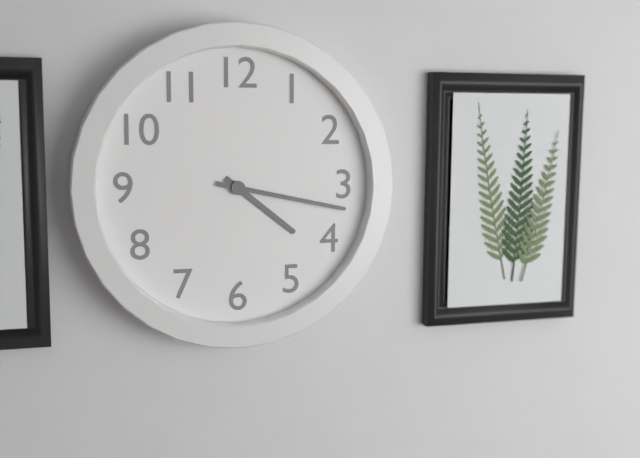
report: 4h17
